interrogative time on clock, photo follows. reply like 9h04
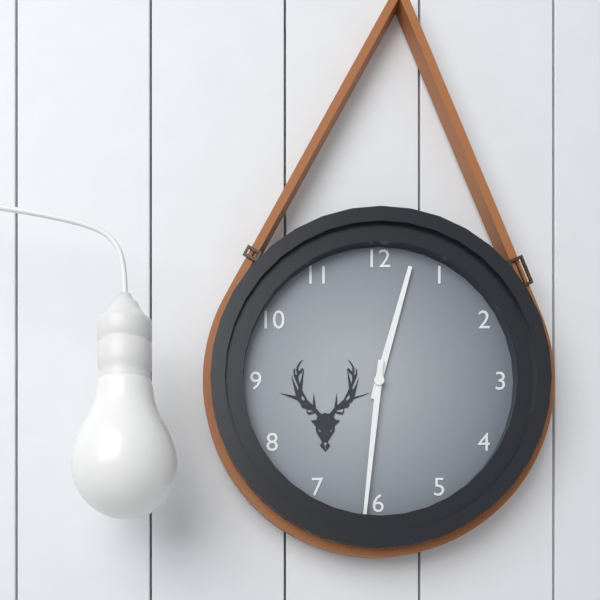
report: 12h31
